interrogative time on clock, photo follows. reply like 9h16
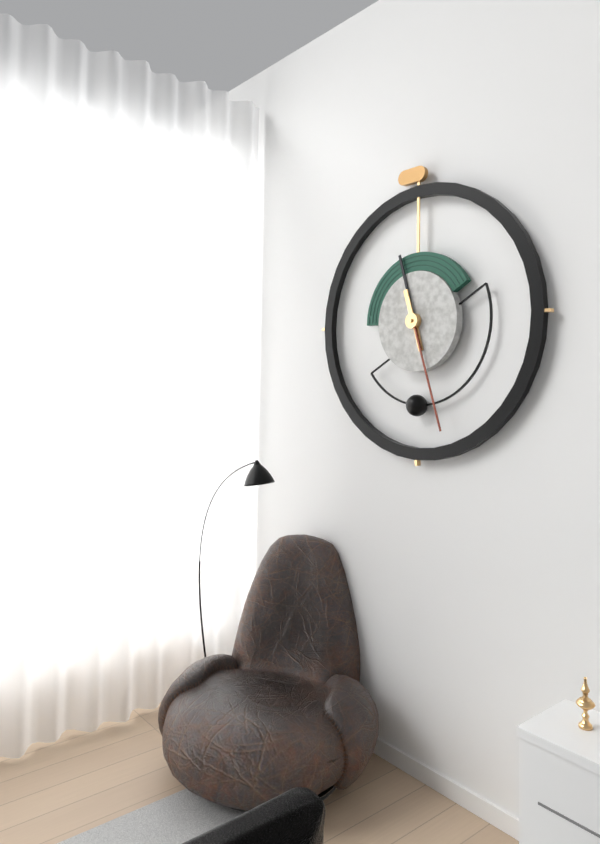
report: 11h27
